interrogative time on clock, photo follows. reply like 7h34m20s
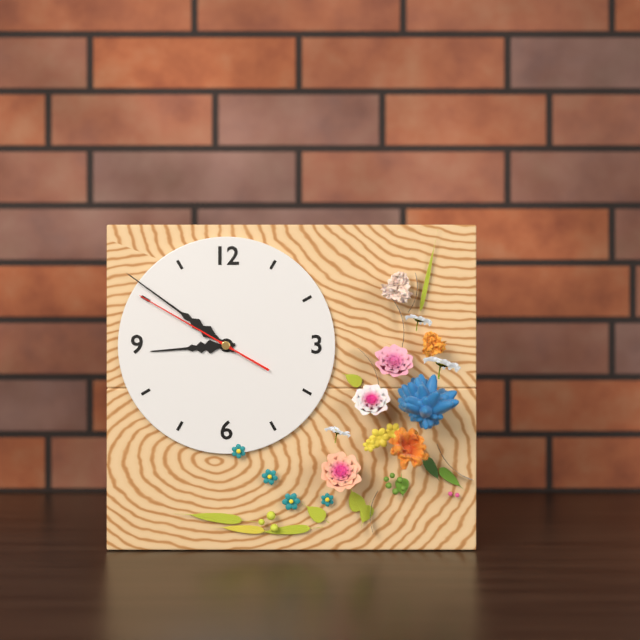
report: 8h51m50s
